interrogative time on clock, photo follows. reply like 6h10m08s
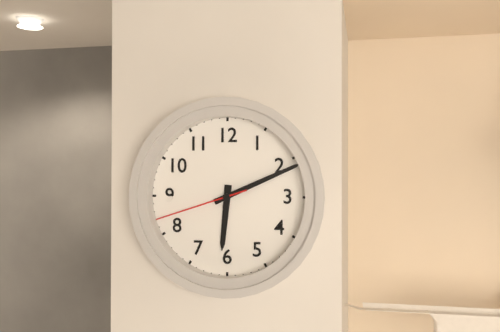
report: 6h11m42s
